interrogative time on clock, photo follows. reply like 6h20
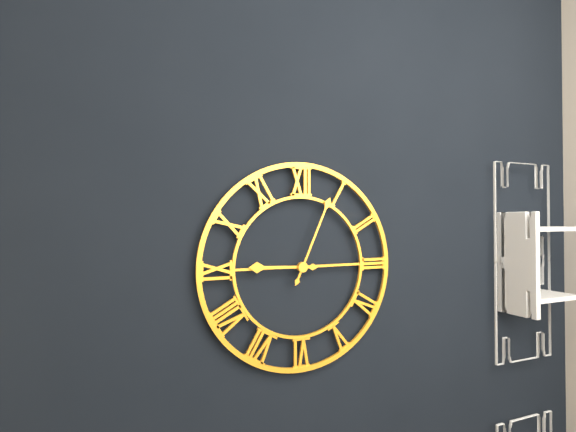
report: 9h04
